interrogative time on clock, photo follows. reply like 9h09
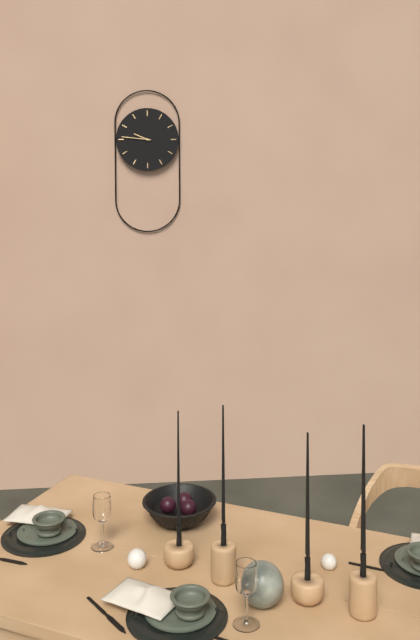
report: 9h46
